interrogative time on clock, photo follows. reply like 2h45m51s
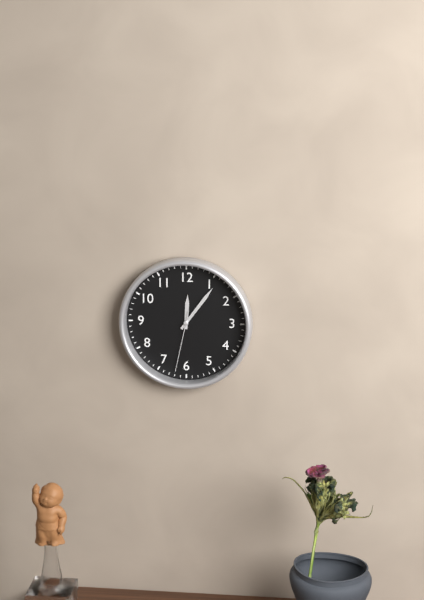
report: 12h06m32s
